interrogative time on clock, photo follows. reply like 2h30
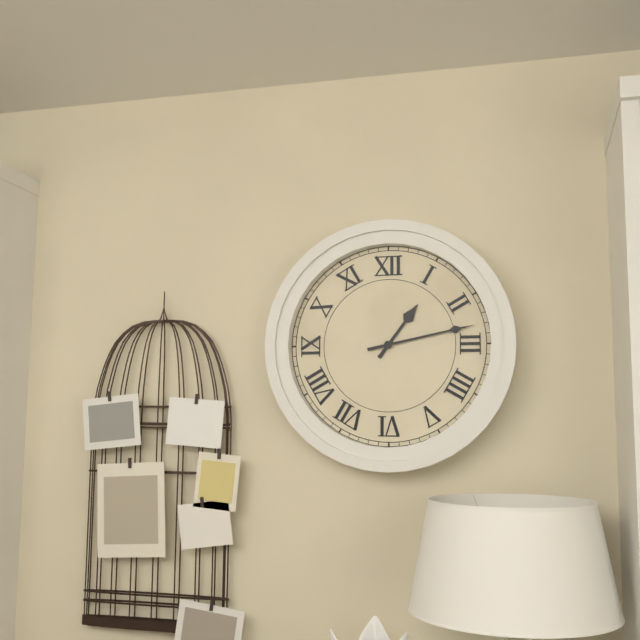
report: 1h13
